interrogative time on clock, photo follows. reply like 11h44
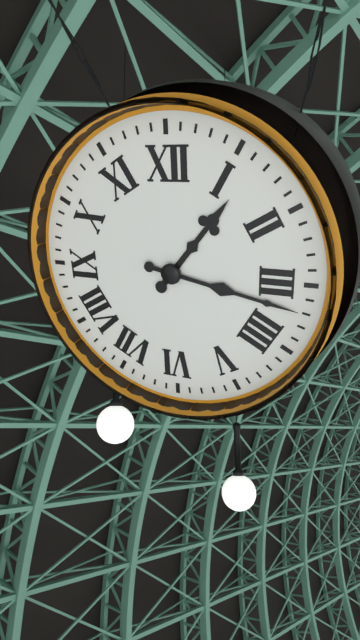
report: 1h17
